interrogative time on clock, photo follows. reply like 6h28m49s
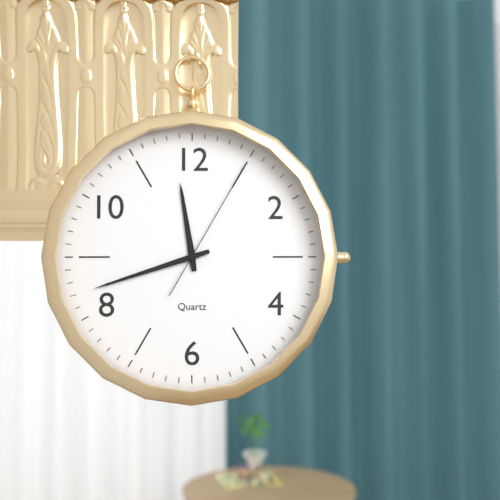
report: 11h42m05s
